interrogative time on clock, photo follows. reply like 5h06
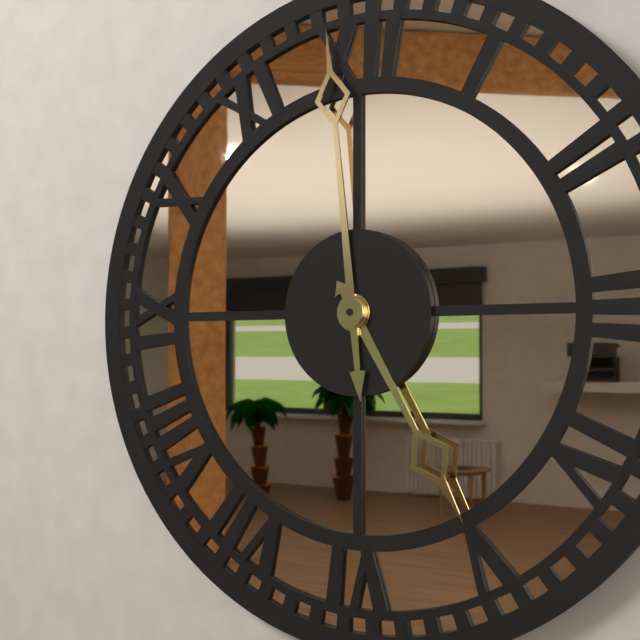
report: 4h59
